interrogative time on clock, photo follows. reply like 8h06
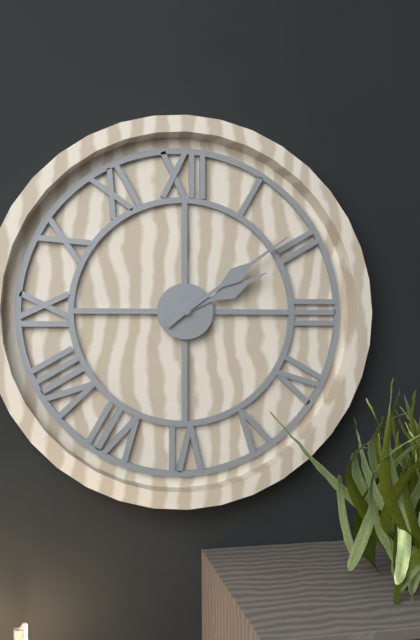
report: 2h09
